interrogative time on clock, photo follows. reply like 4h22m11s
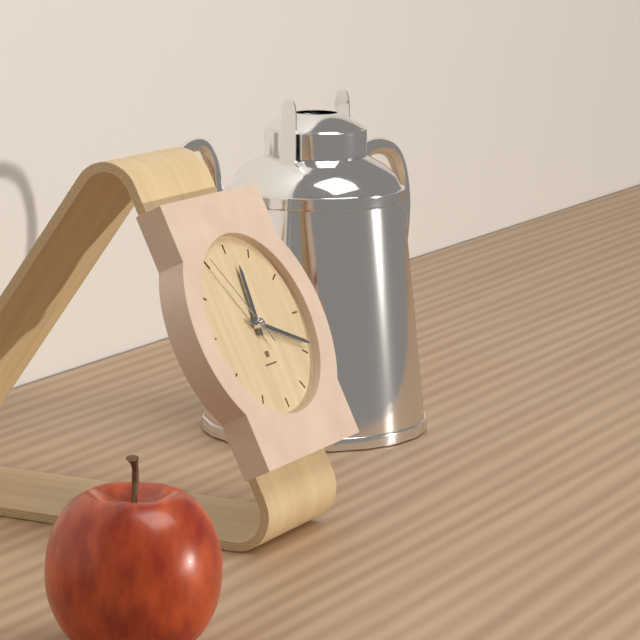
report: 12h19m55s
